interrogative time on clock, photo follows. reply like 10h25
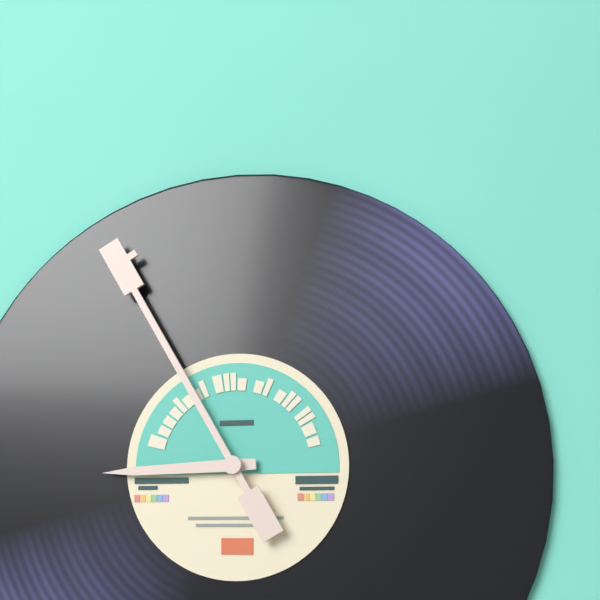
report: 8h55
